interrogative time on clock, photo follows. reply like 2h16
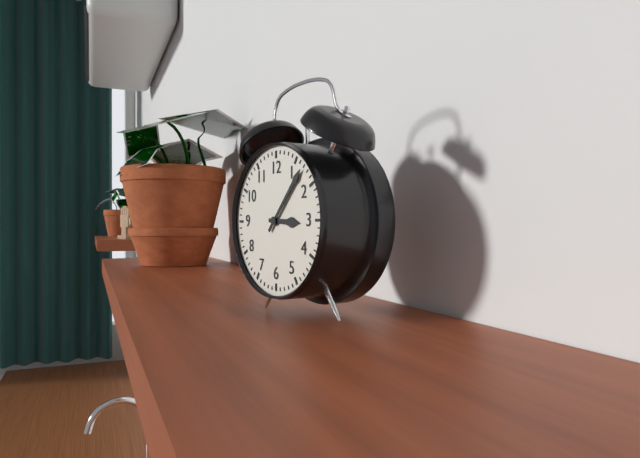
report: 3h07
